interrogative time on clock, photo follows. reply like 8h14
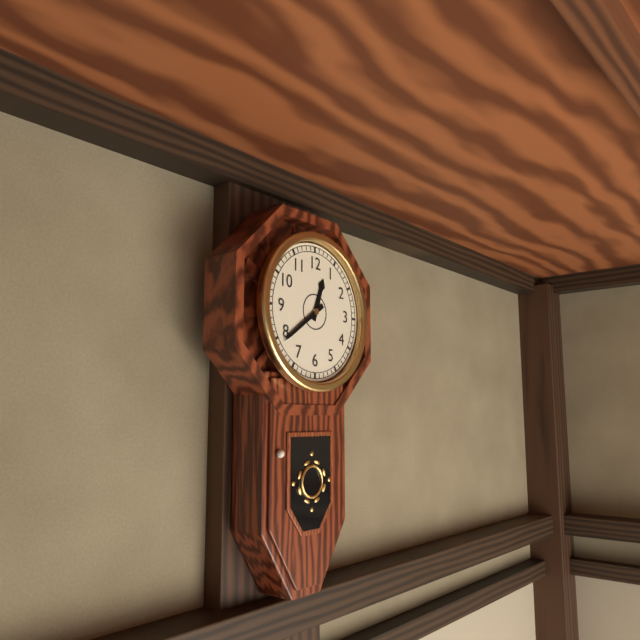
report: 12h39
